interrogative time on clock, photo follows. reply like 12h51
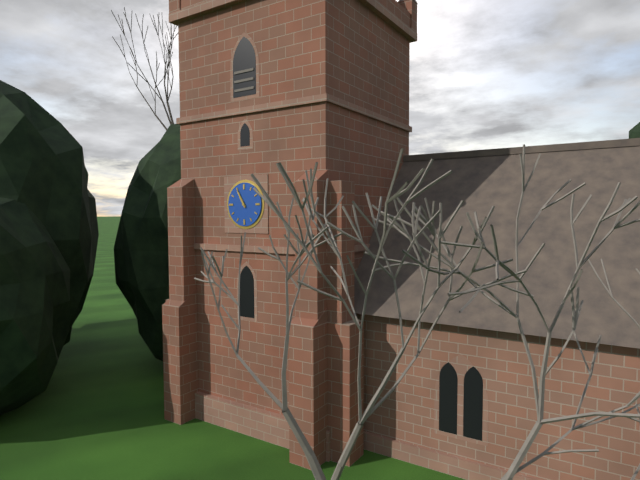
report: 10h55
